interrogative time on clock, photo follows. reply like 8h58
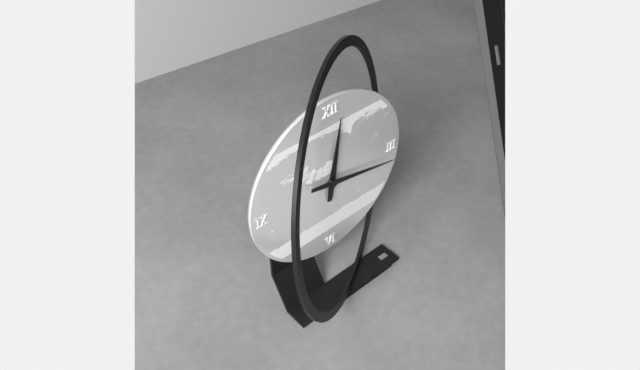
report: 12h17
